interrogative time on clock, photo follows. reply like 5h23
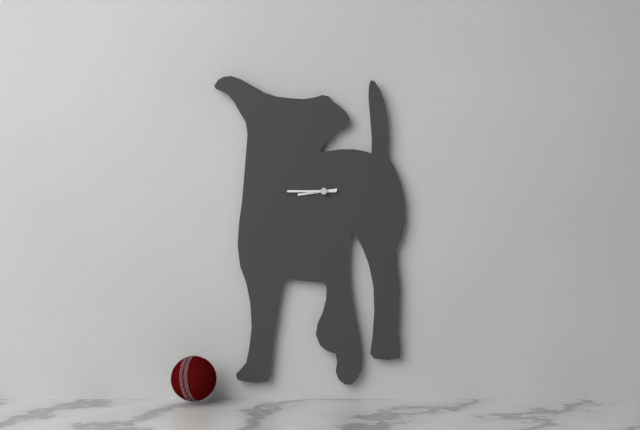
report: 8h45
